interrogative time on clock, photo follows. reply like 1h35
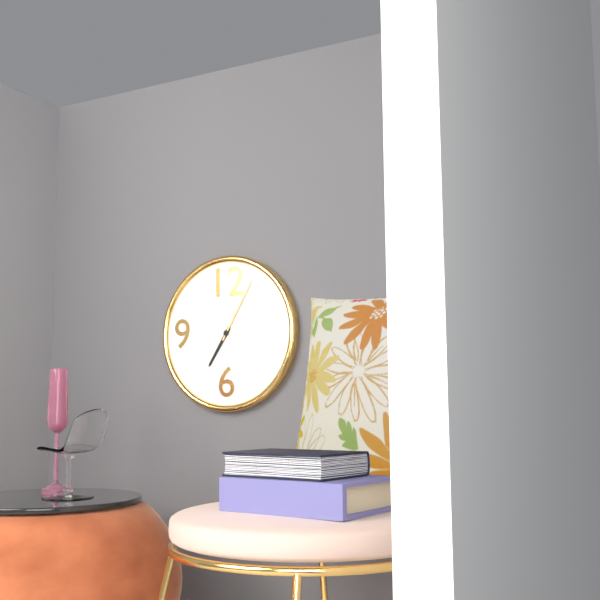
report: 7h05
